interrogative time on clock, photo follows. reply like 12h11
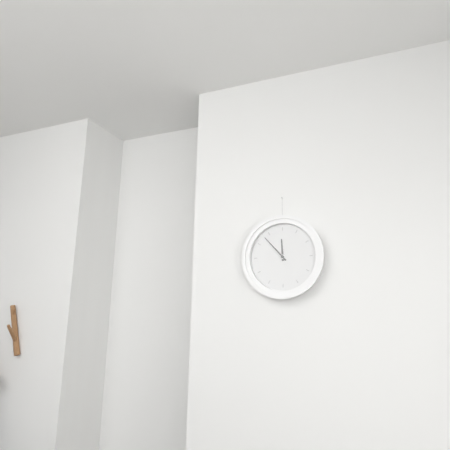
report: 11h53
